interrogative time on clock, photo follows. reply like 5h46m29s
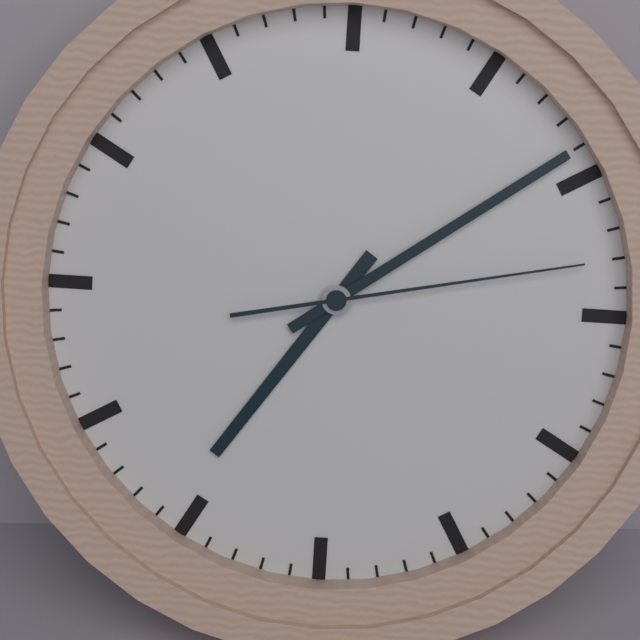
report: 7h09m13s
